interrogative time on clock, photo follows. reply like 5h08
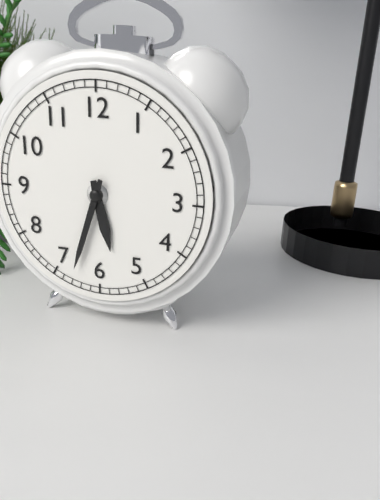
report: 5h33
